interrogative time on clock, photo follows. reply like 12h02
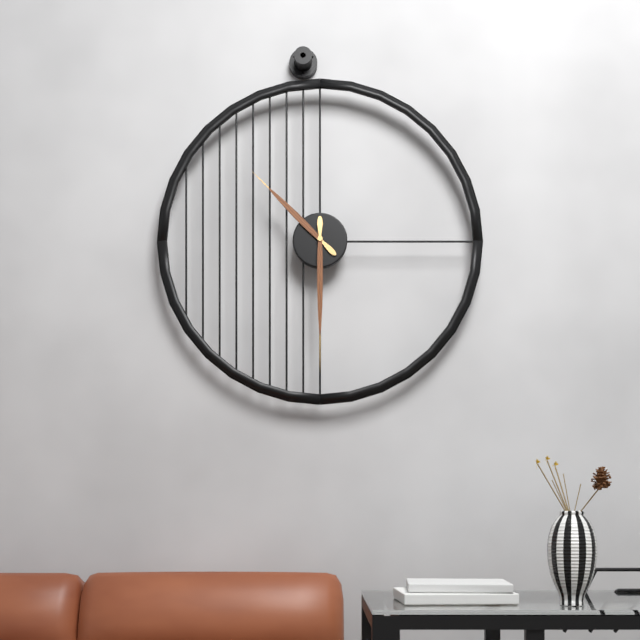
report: 10h30
